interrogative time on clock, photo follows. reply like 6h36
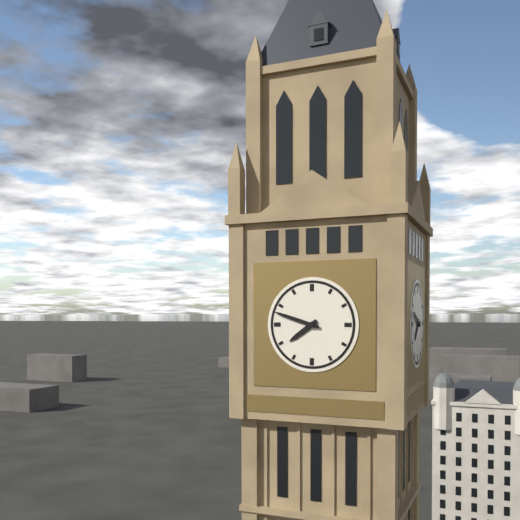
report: 7h48
